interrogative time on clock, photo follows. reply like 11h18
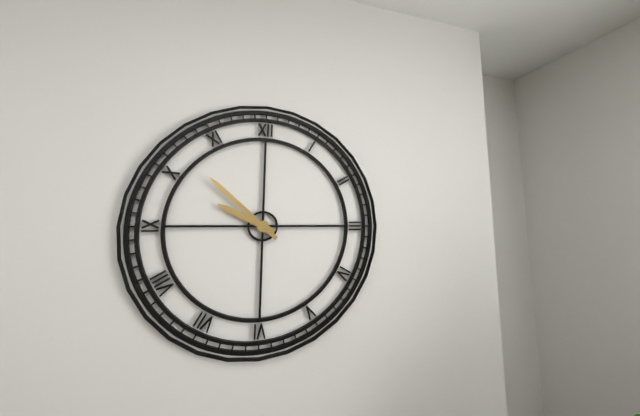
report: 9h52
